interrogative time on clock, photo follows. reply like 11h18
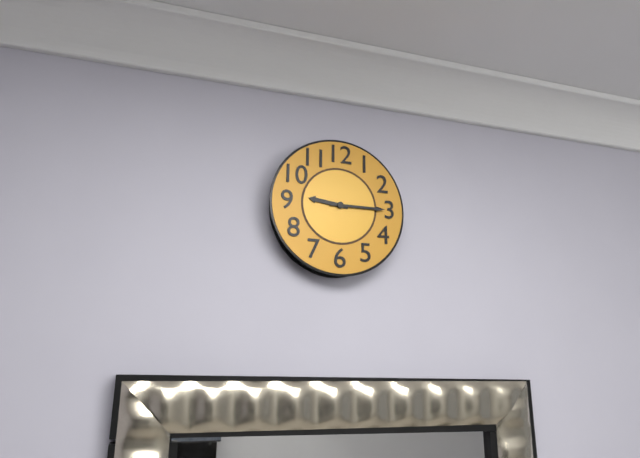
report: 9h15
